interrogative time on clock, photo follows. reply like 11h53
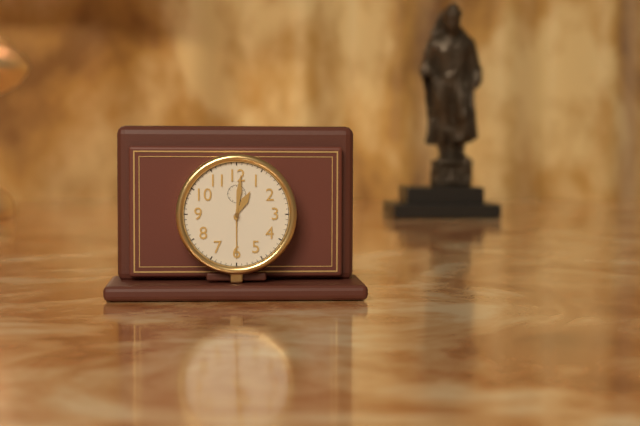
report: 1h01
